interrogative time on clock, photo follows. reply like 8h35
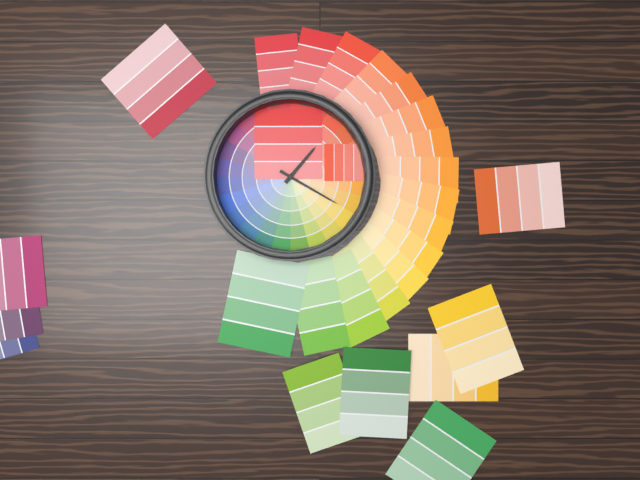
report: 1h20
